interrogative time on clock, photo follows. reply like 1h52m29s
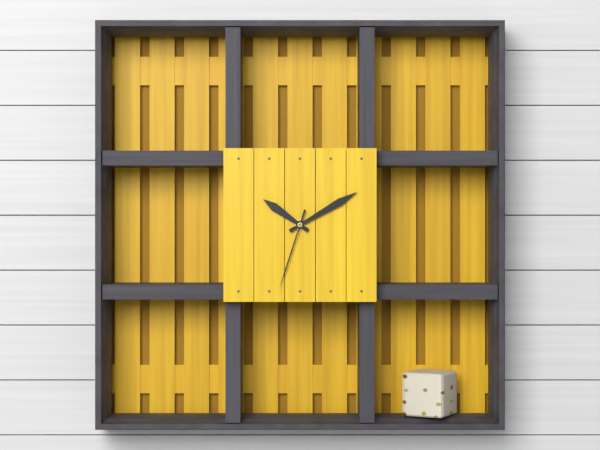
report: 10h10m33s
